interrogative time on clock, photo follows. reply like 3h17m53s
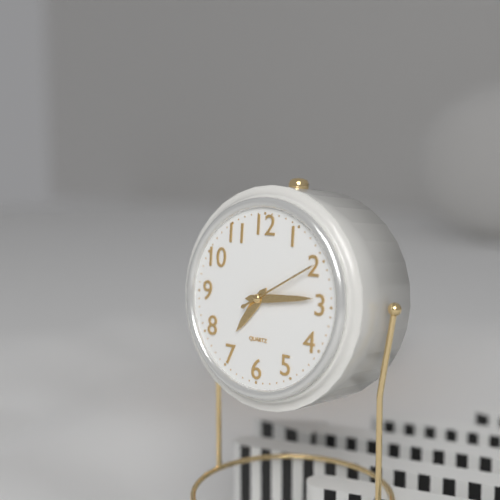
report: 7h14m10s
